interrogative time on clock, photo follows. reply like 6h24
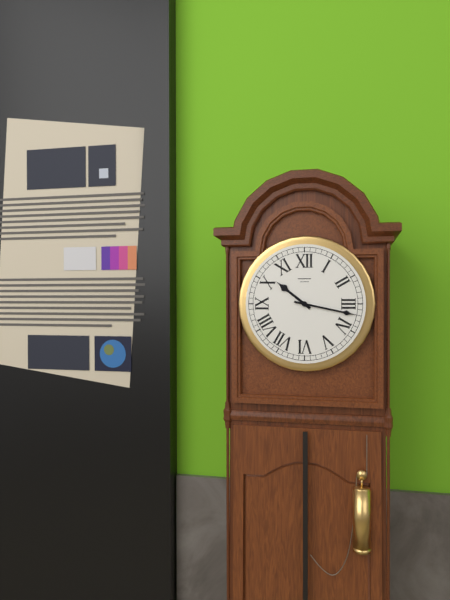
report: 10h17
